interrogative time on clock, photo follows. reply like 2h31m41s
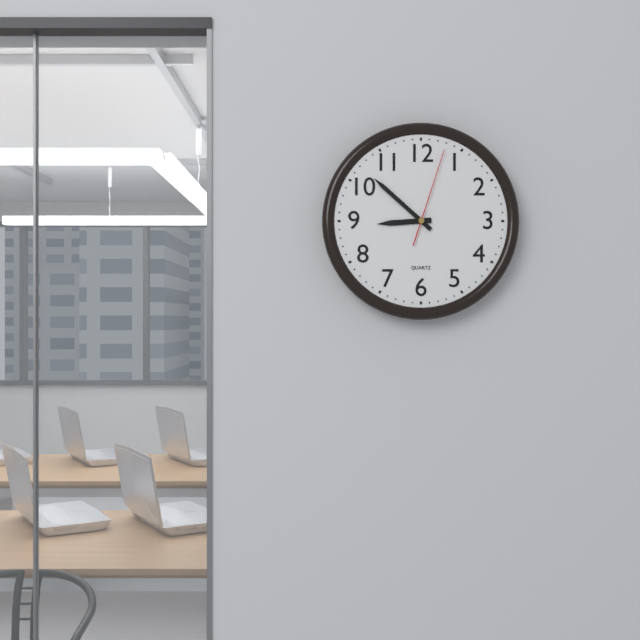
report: 8h52m03s
